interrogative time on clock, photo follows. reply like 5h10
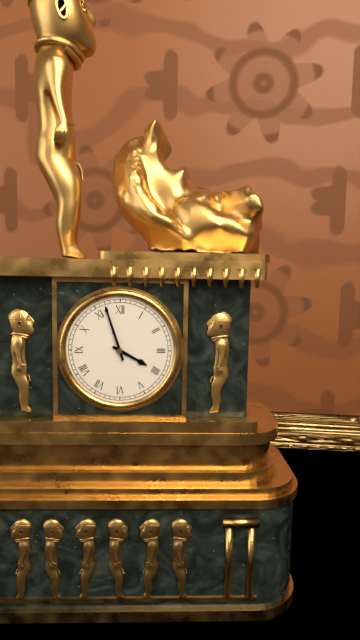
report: 3h57
